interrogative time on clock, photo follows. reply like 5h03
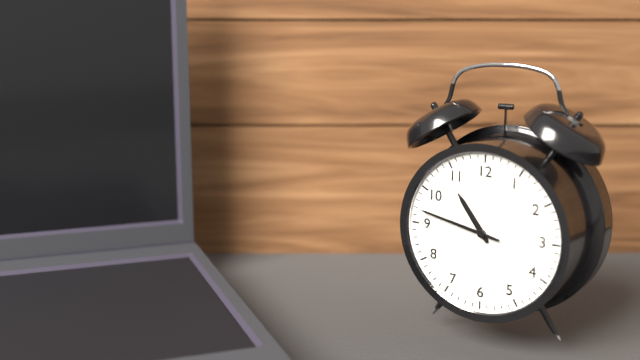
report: 10h47
